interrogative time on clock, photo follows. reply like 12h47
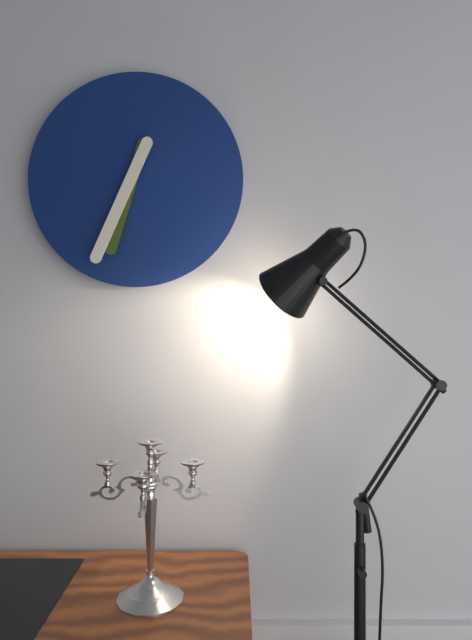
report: 6h34
